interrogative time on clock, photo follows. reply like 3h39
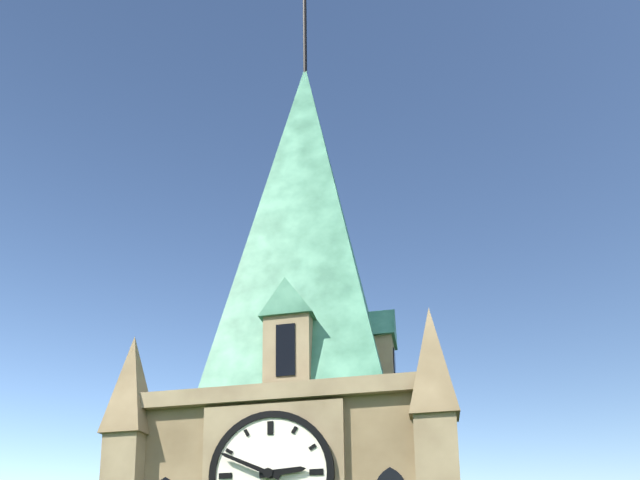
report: 2h49
